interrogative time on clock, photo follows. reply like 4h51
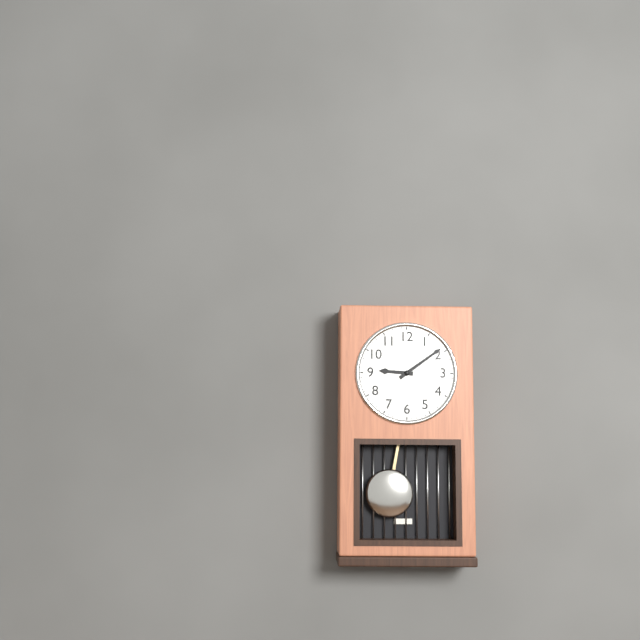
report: 9h09
